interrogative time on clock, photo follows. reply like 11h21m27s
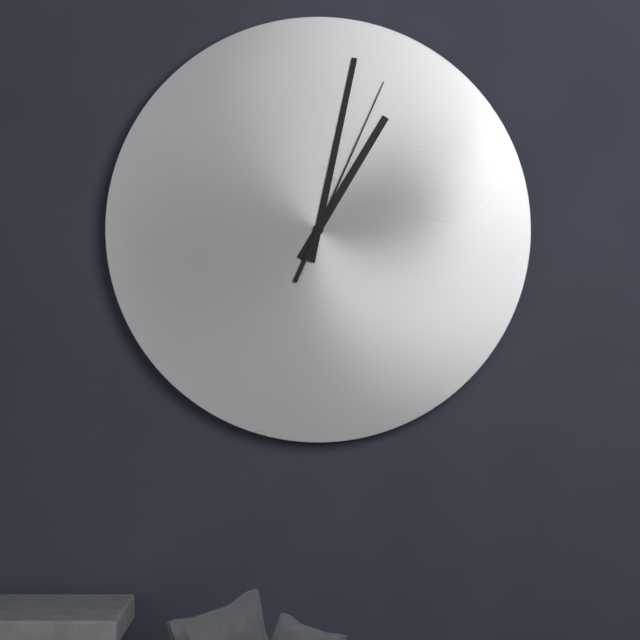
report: 1h02m04s
